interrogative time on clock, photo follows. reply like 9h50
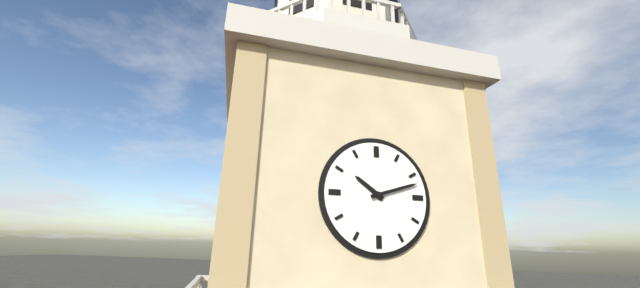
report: 10h12
